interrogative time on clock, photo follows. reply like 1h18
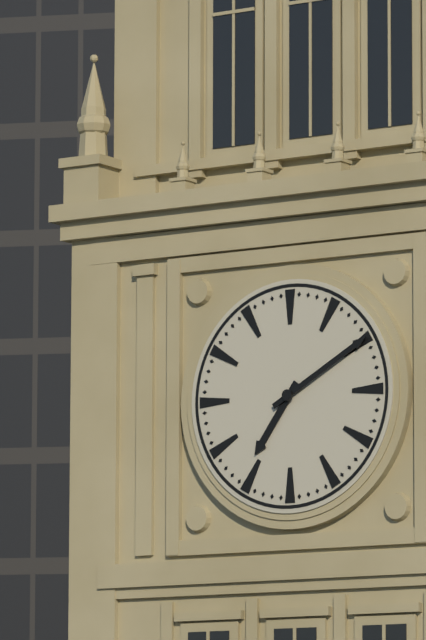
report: 7h10
